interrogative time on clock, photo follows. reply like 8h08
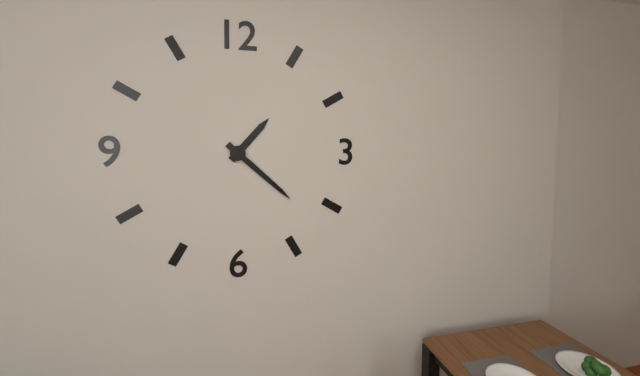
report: 1h22
